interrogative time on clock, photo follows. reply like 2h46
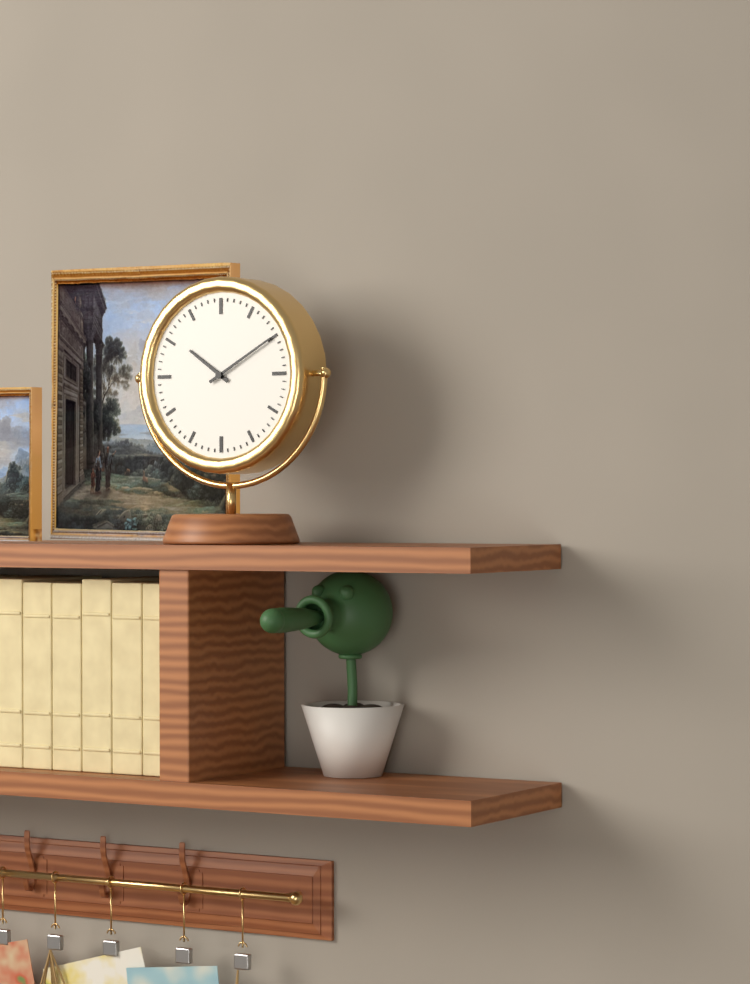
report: 10h10
